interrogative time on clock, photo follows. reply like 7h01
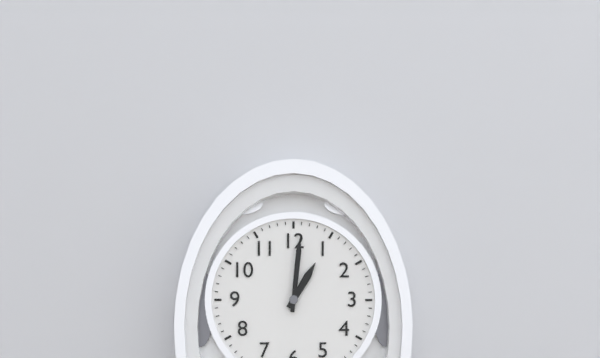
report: 1h01
